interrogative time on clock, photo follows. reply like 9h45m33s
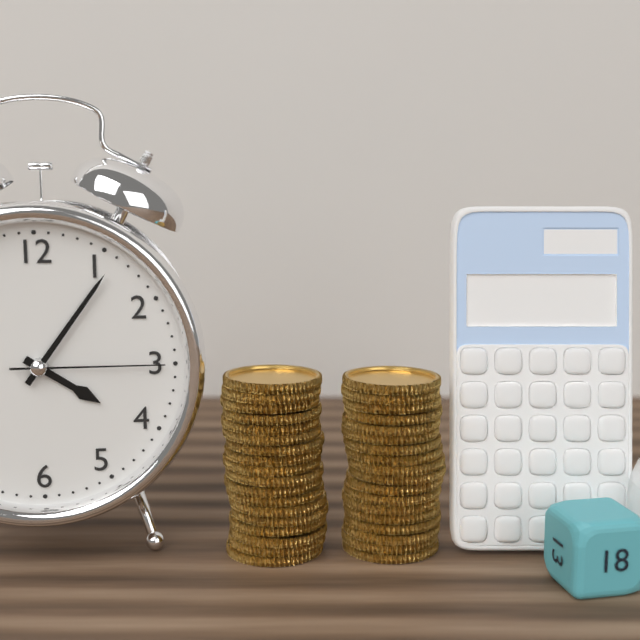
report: 4h06m15s
